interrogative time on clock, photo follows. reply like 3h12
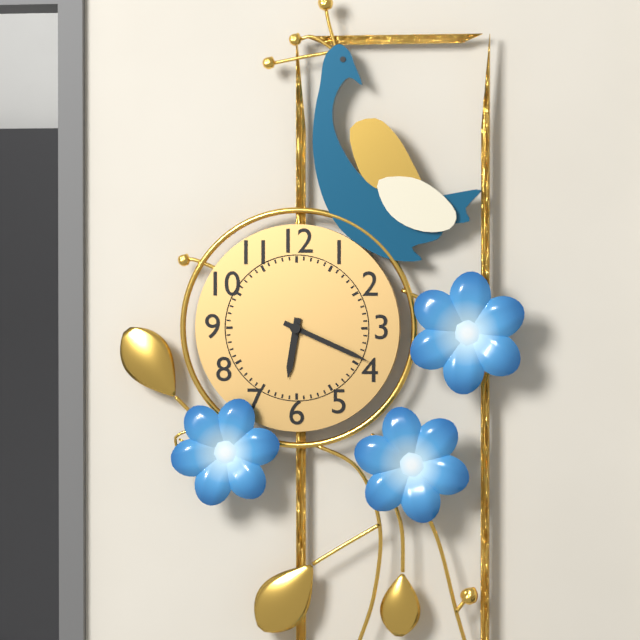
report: 6h19
